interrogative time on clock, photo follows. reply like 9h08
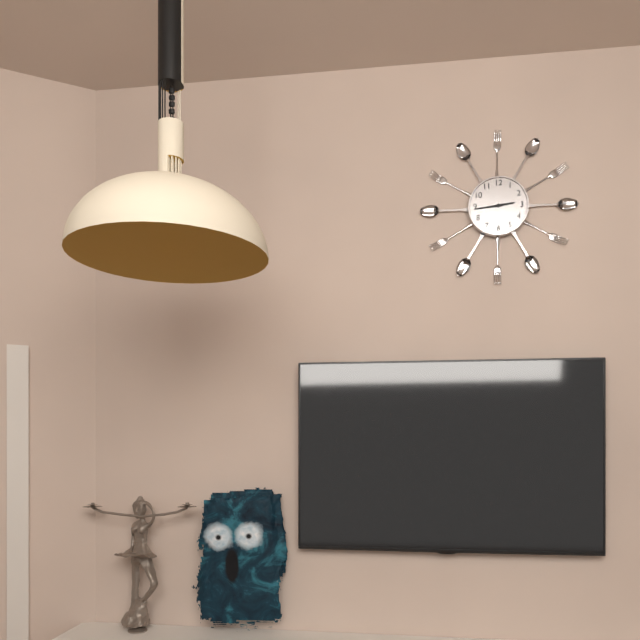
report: 2h44
